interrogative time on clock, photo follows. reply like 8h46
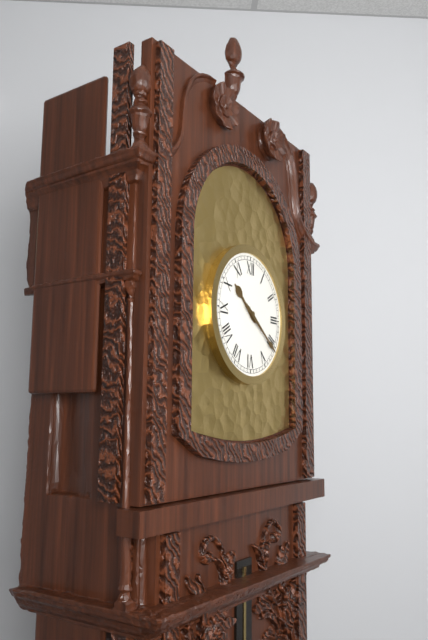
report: 10h21
